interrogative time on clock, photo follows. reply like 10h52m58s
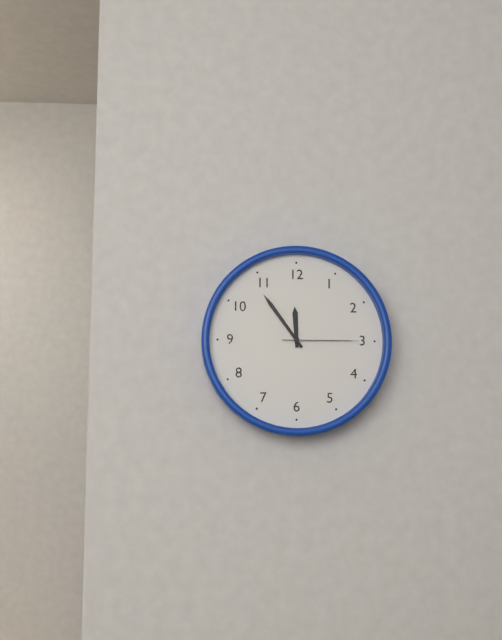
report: 11h54m15s
